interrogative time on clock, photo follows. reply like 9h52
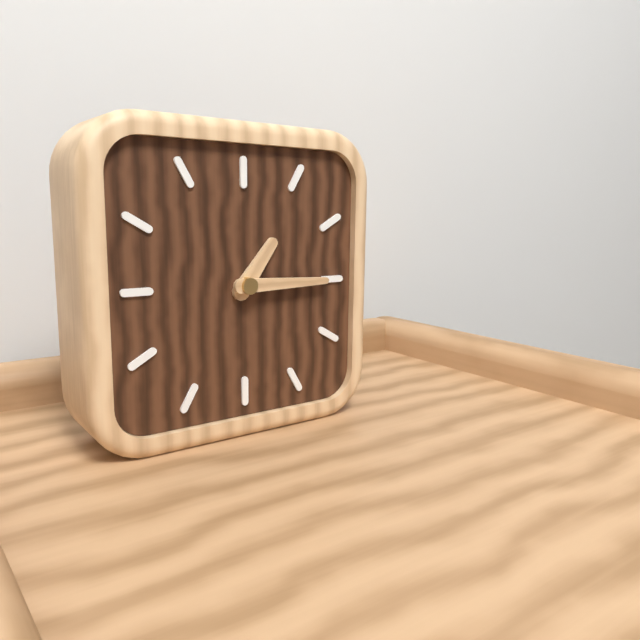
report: 1h15
